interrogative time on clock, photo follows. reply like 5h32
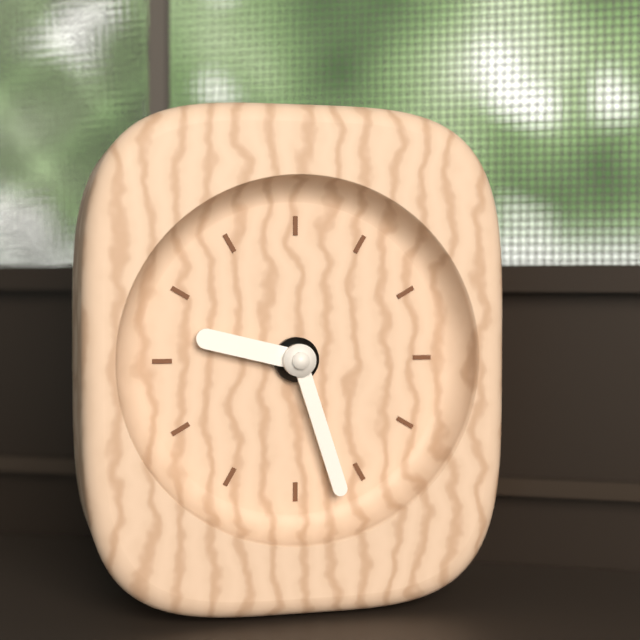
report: 9h27
